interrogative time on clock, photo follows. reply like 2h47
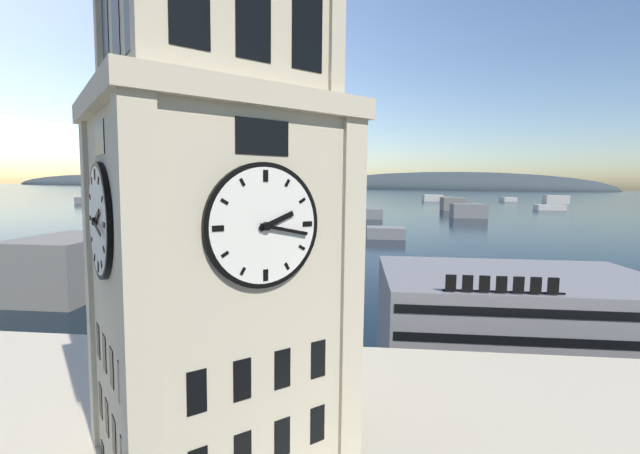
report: 2h17
